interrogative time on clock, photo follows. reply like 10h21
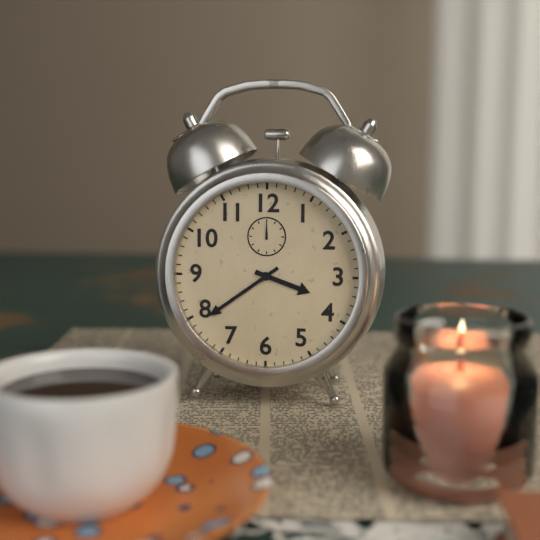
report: 3h39
